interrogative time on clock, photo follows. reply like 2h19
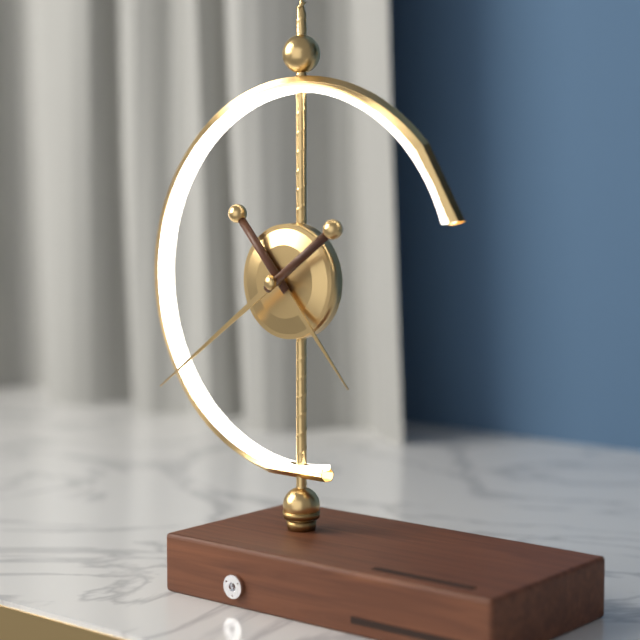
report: 4h39
